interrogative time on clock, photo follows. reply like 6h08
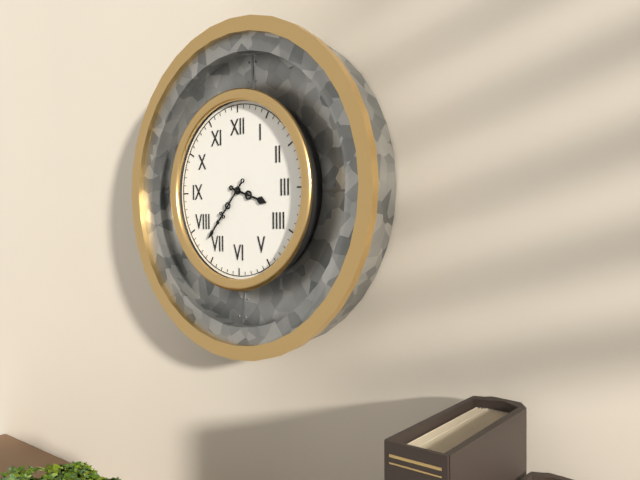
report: 3h37
